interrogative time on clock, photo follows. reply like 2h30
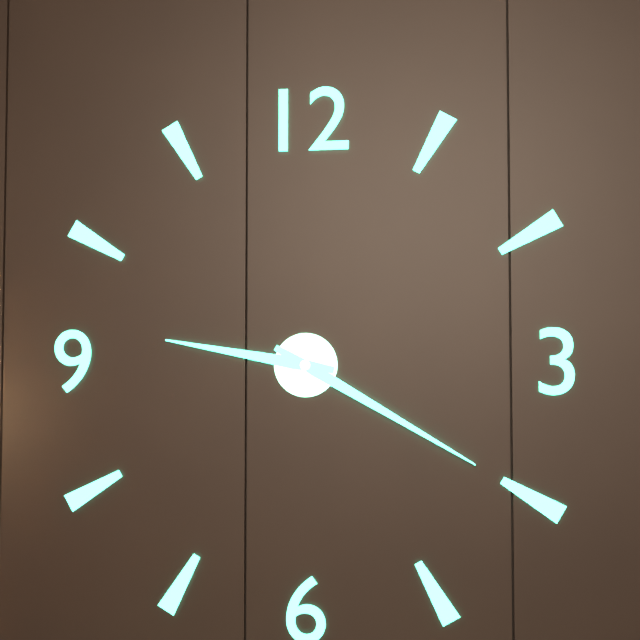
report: 9h20
